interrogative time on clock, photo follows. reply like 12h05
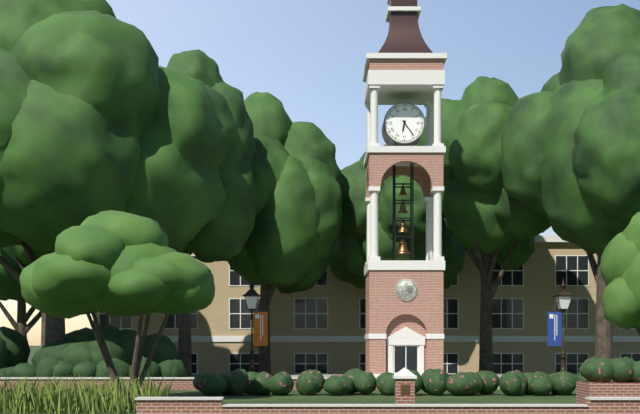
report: 6h24
